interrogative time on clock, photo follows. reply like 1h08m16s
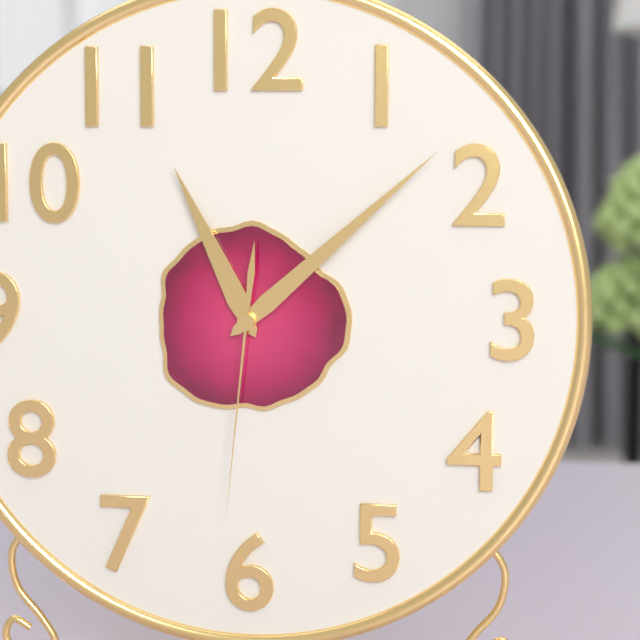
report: 11h08m31s
